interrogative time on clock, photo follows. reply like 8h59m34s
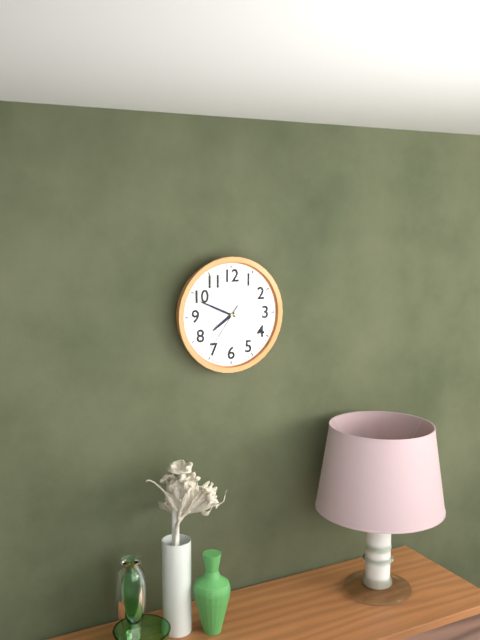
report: 7h49m36s
